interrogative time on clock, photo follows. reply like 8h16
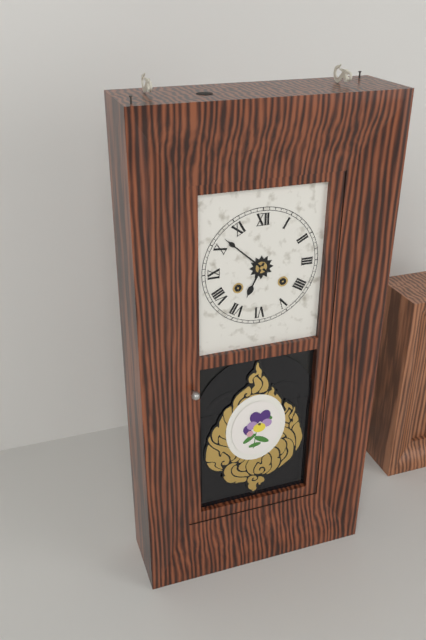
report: 6h52
